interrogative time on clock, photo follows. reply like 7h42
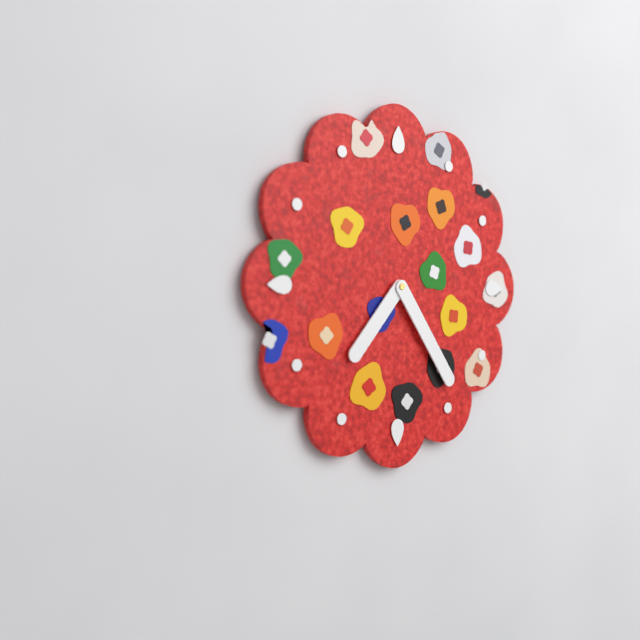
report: 7h24
